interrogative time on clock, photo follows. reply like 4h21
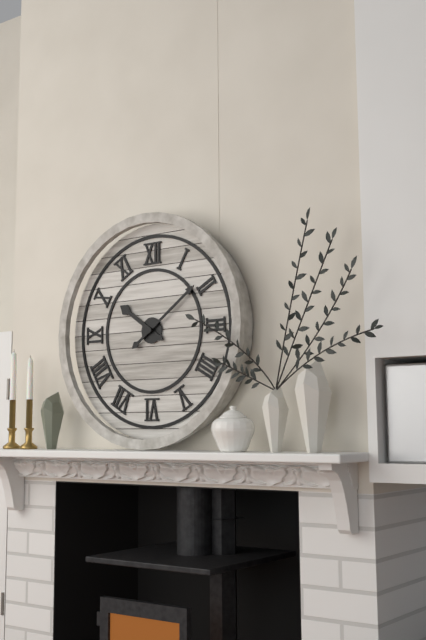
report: 10h09
